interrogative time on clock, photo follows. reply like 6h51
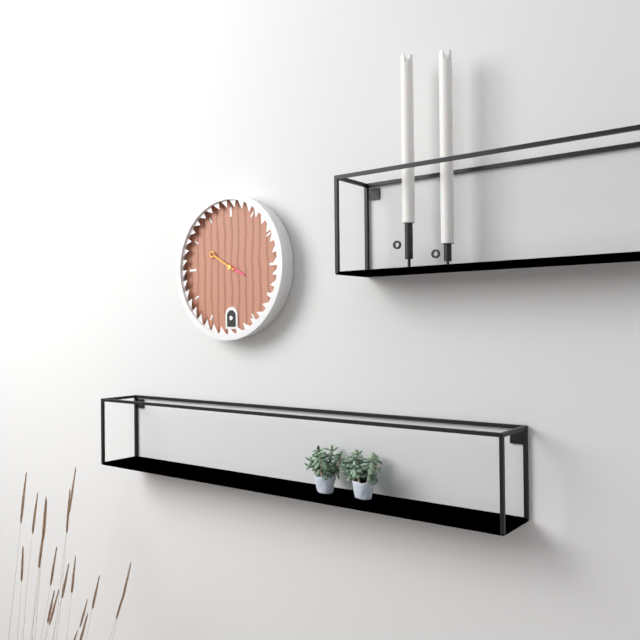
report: 3h50
